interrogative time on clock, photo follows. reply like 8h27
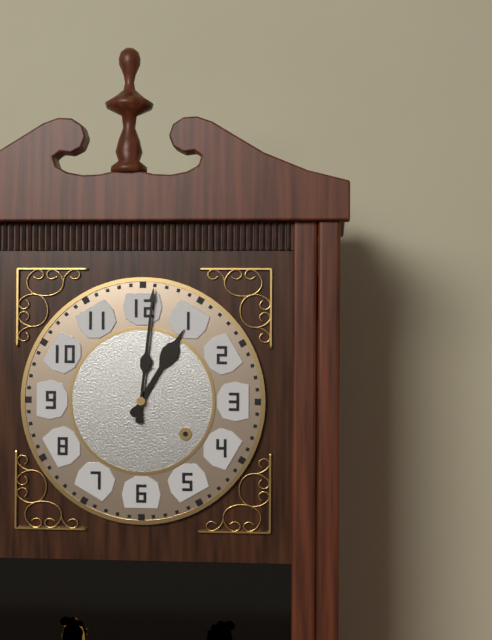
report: 1h01
